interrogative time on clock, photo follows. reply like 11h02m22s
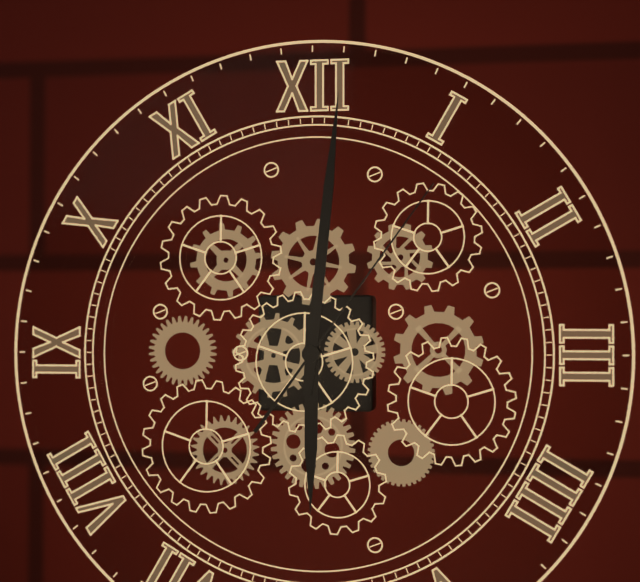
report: 6h01m06s
